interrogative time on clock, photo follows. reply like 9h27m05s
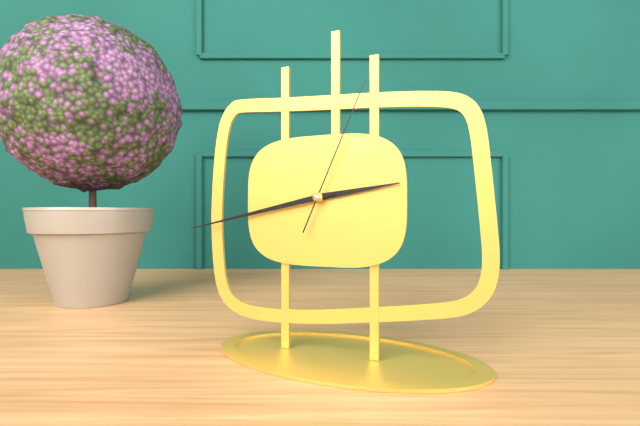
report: 2h43m04s
